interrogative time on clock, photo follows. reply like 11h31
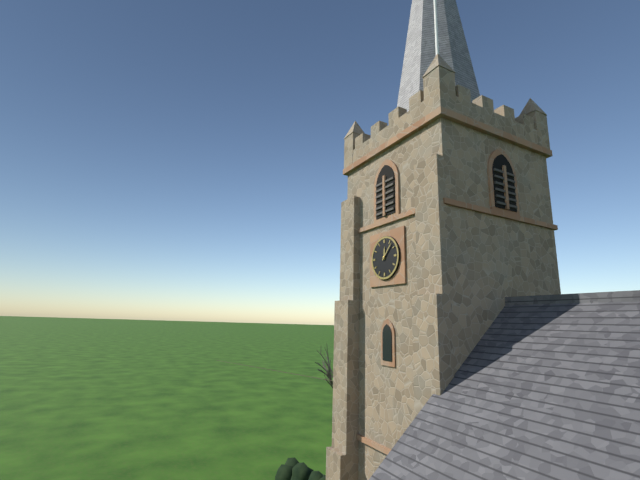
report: 12h07
